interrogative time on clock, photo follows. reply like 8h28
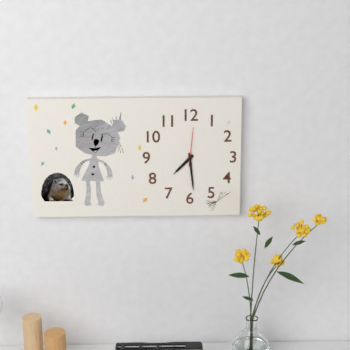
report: 7h29
